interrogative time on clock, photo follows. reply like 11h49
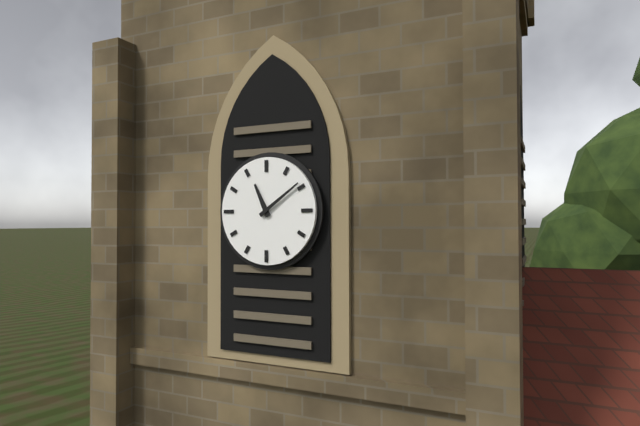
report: 11h09
